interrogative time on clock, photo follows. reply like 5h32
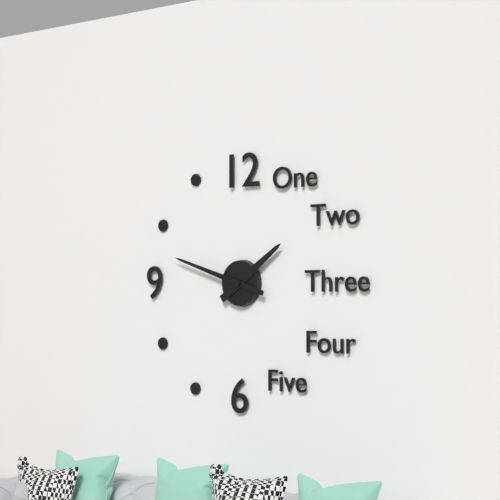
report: 1h48
